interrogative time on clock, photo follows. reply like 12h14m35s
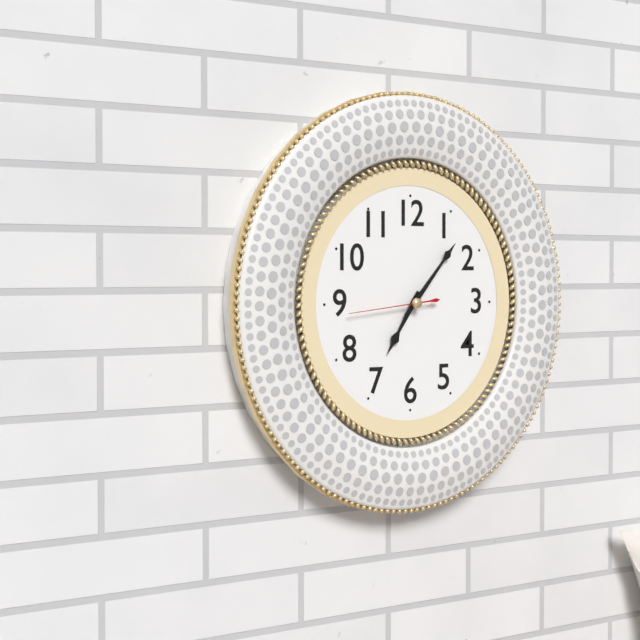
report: 7h07m44s
